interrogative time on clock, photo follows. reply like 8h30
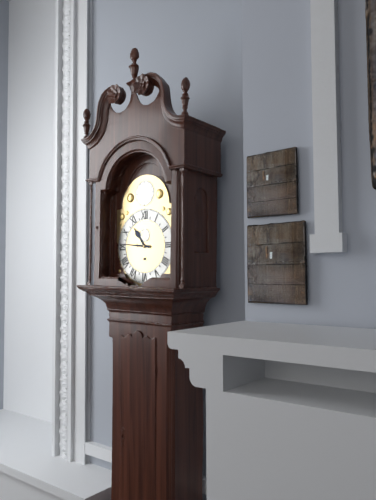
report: 10h46
